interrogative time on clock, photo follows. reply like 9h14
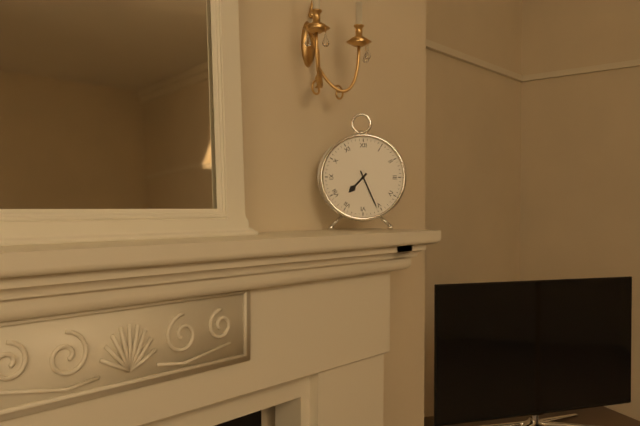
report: 7h26
